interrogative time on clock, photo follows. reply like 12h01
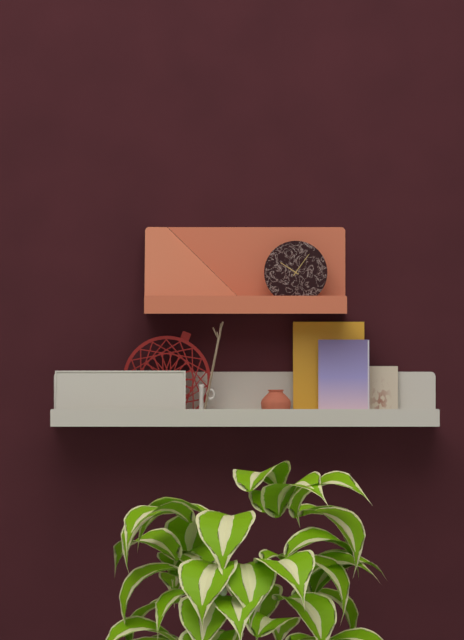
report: 10h06
